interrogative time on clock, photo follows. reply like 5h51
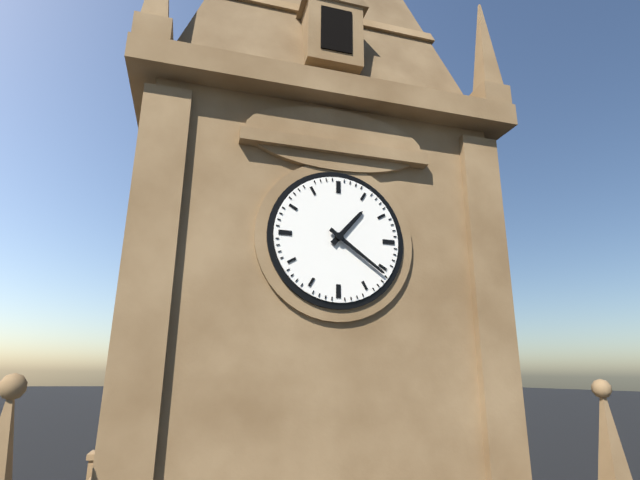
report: 1h21
